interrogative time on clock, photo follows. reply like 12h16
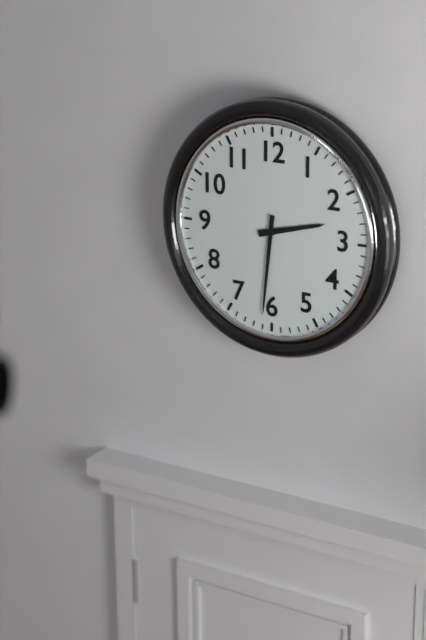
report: 2h31
